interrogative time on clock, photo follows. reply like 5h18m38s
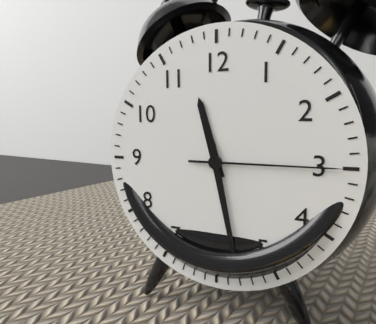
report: 11h28m15s
